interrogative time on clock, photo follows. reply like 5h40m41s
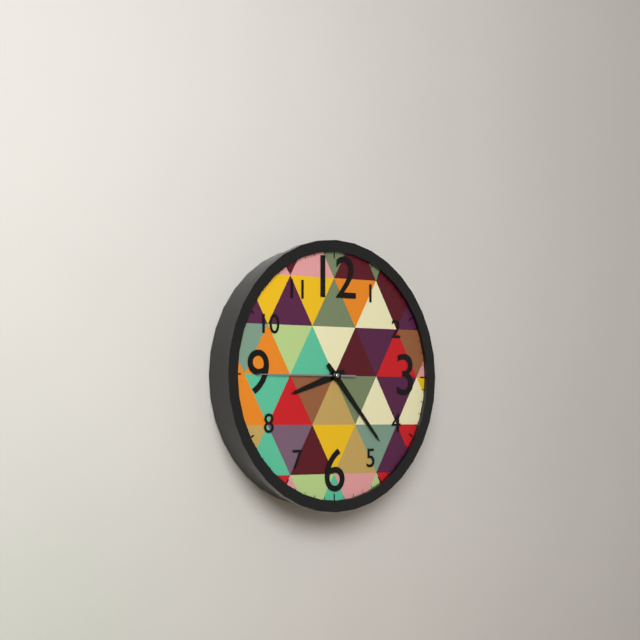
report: 8h23m45s
